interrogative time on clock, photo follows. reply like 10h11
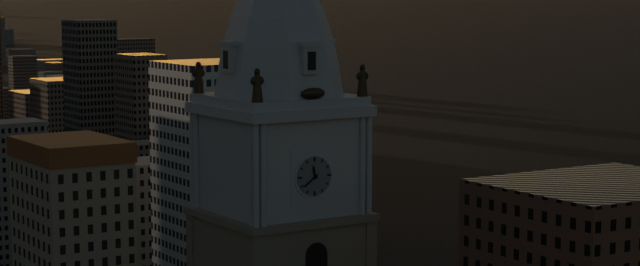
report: 11h39
